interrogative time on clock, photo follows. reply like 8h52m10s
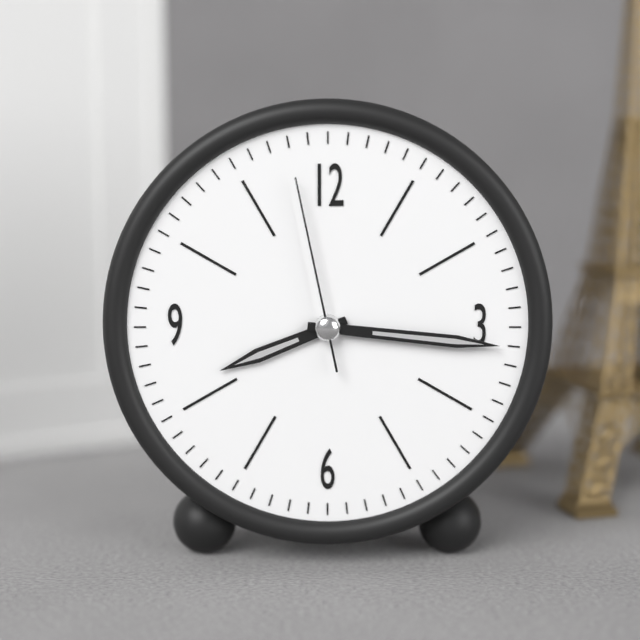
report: 8h16m58s
